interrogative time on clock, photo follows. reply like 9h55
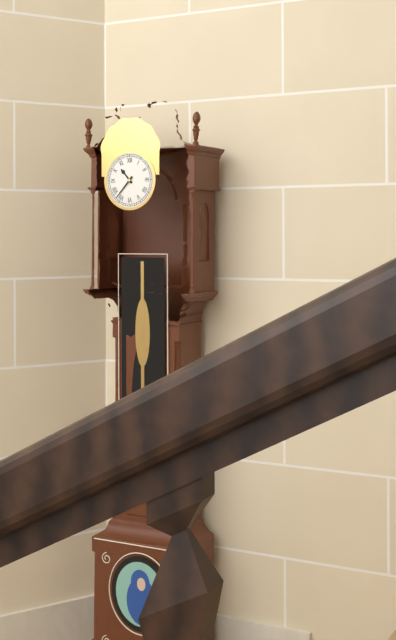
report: 10h37
